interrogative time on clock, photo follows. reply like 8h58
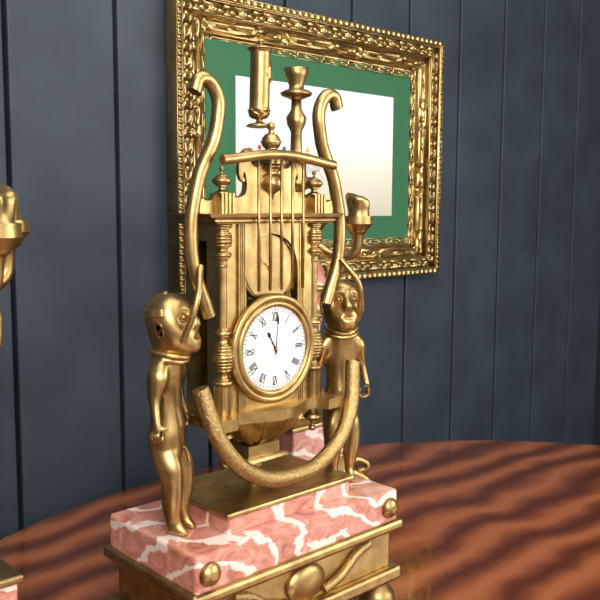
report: 11h01
